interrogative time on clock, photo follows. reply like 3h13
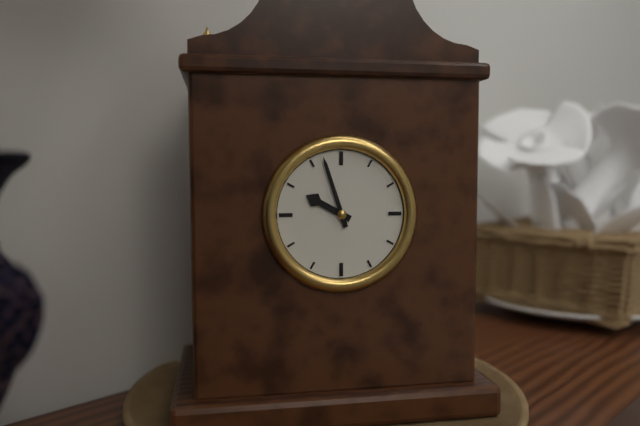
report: 9h57
